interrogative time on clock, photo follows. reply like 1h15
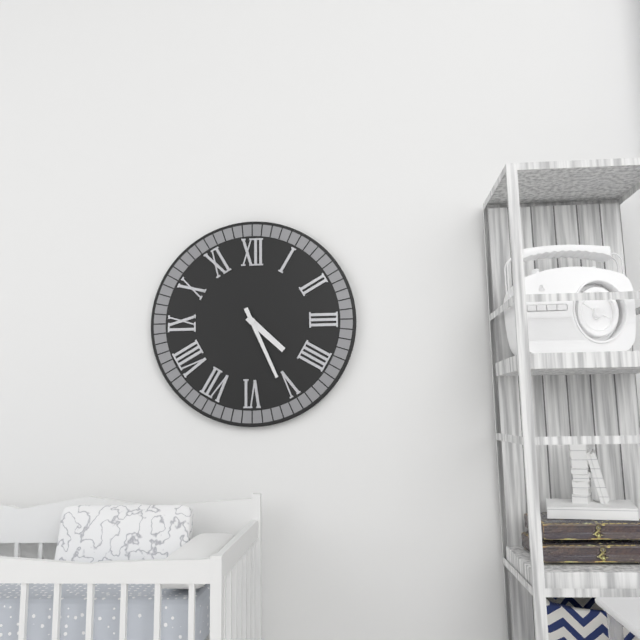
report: 4h26
